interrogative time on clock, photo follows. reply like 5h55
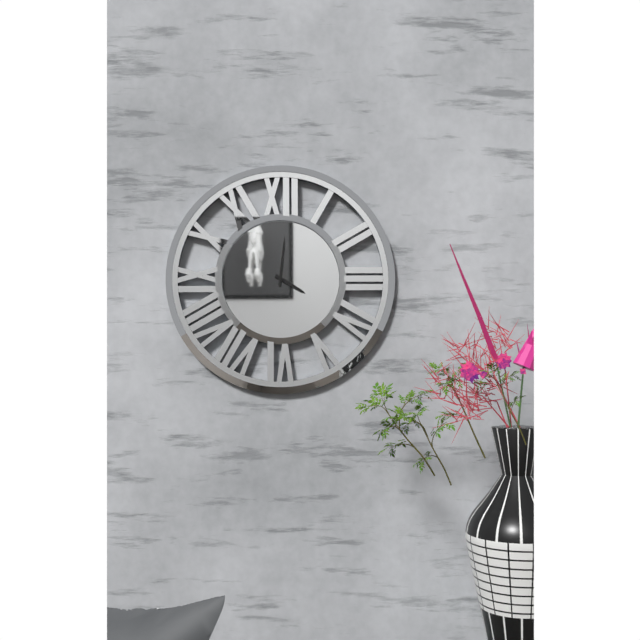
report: 4h01
